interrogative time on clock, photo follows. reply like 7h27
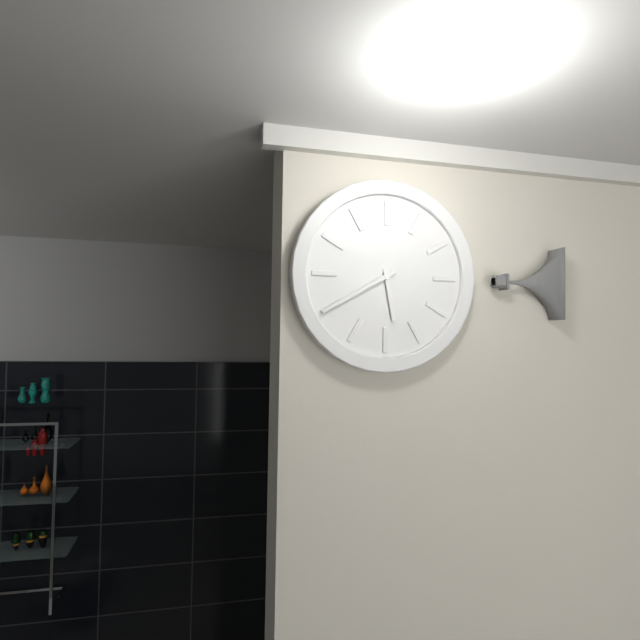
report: 5h40
